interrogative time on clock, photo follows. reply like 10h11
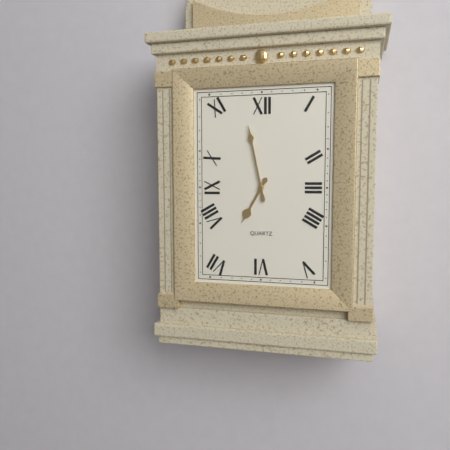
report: 6h58
